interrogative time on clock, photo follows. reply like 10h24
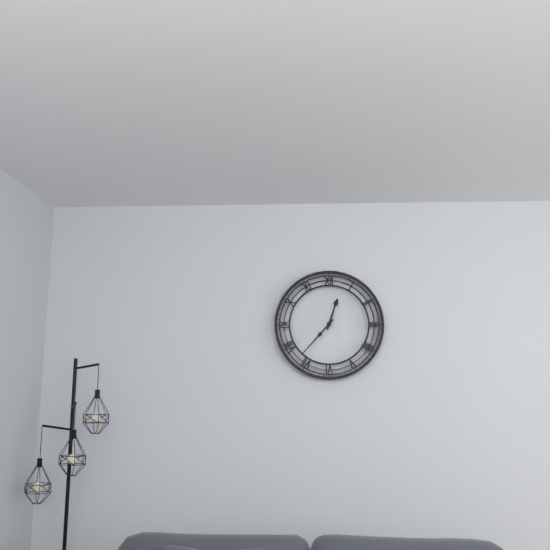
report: 12h37
